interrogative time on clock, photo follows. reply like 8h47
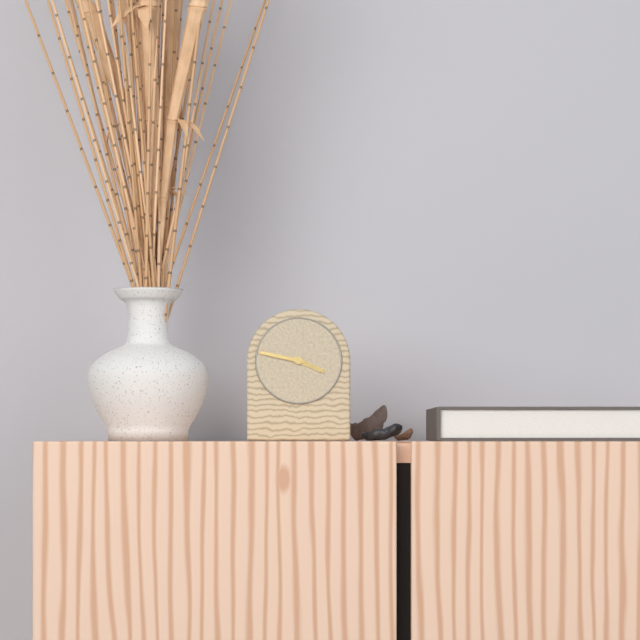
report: 3h47
